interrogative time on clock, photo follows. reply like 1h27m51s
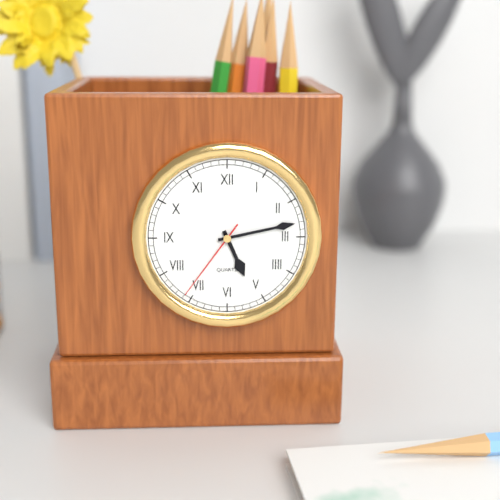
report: 5h13m36s
